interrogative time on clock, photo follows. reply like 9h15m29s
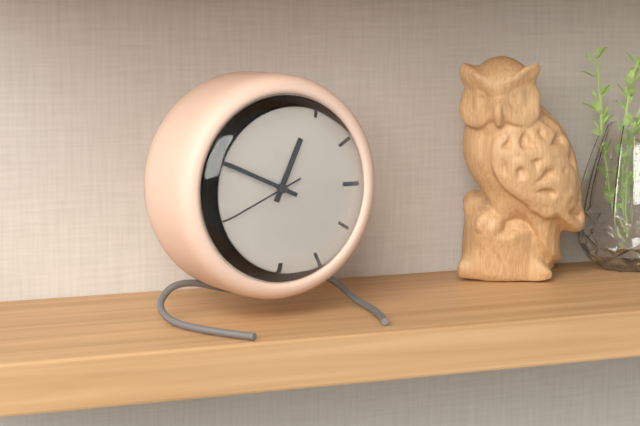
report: 12h49m41s
